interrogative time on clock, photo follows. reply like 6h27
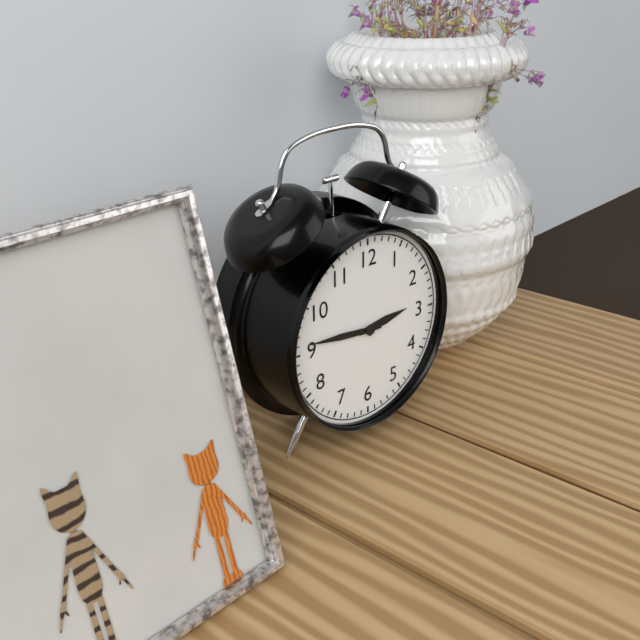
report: 2h46
